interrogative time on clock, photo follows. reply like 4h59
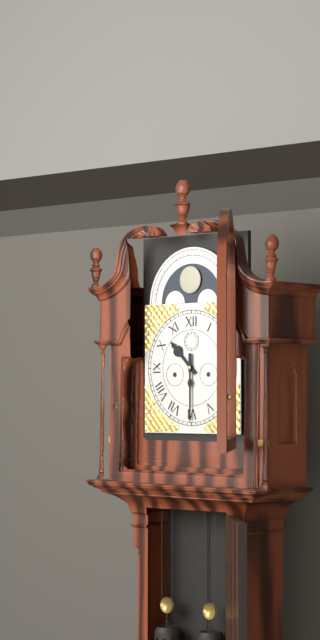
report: 10h30
